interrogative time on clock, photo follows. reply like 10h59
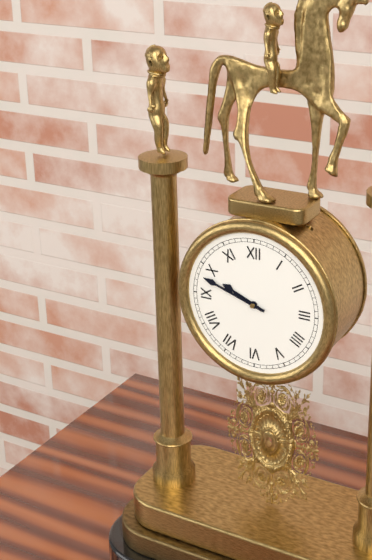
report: 9h48
